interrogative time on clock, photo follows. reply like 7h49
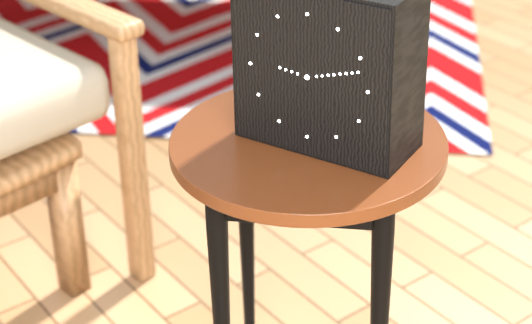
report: 9h12
